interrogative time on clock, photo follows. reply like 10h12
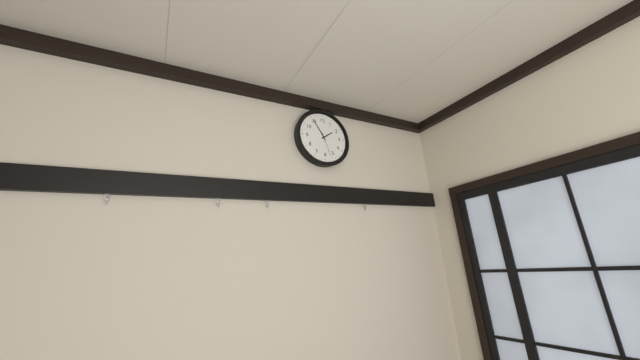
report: 1h55
